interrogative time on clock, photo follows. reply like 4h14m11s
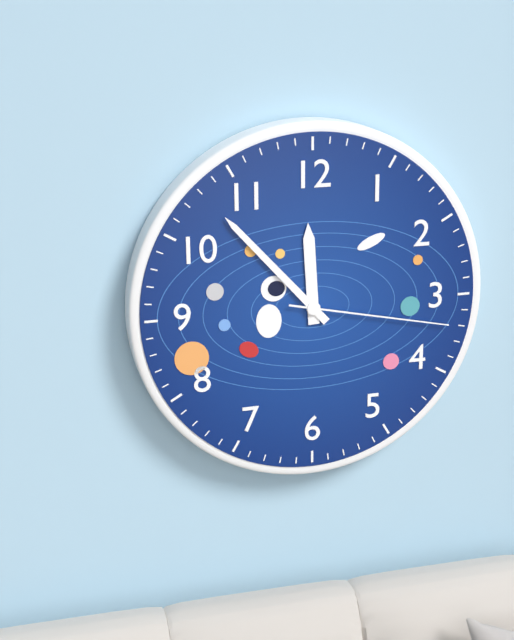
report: 11h53m17s
